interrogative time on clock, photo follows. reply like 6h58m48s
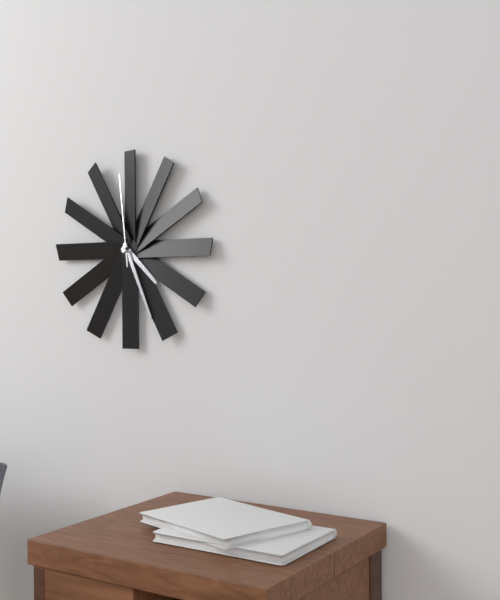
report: 4h26m59s
